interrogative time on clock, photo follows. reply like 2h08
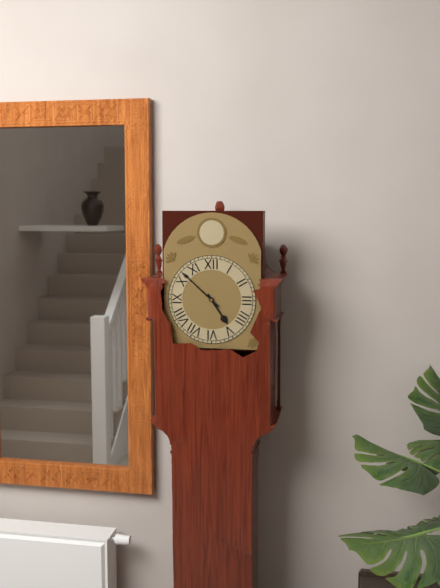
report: 4h52
